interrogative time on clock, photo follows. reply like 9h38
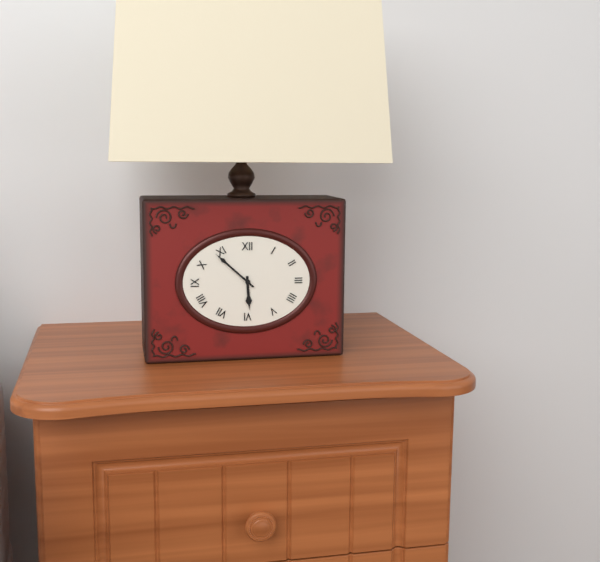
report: 5h52
